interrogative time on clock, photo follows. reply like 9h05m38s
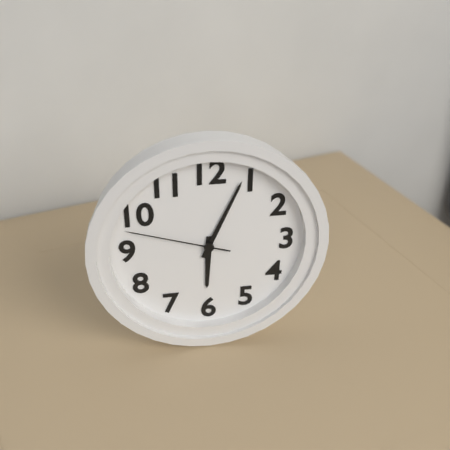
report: 6h04m48s
